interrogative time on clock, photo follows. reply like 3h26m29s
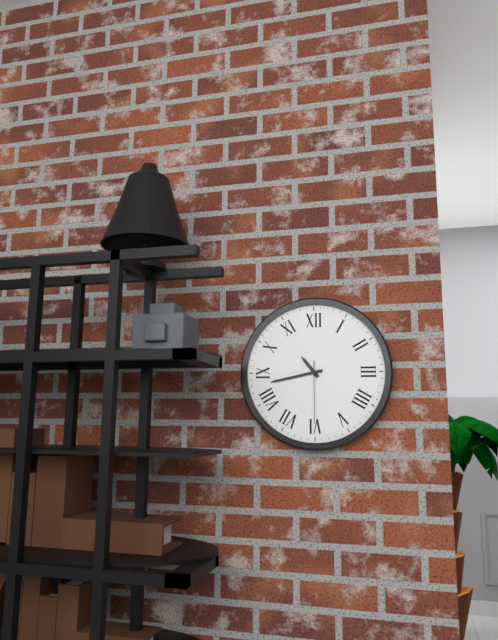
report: 10h43m30s
